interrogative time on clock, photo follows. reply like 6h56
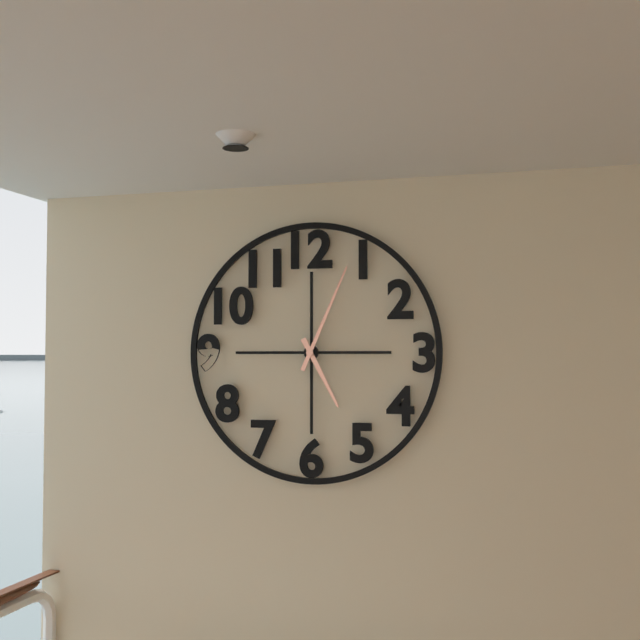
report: 5h04
